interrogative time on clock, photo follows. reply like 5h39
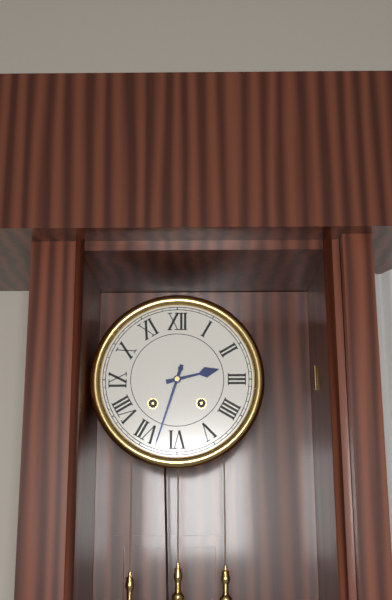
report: 2h33
